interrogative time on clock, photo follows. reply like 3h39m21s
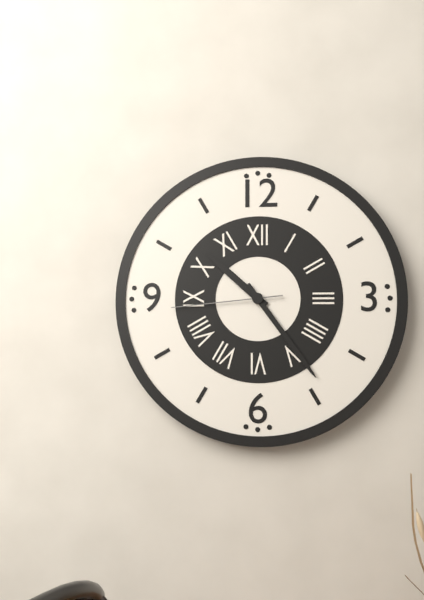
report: 10h24m44s
